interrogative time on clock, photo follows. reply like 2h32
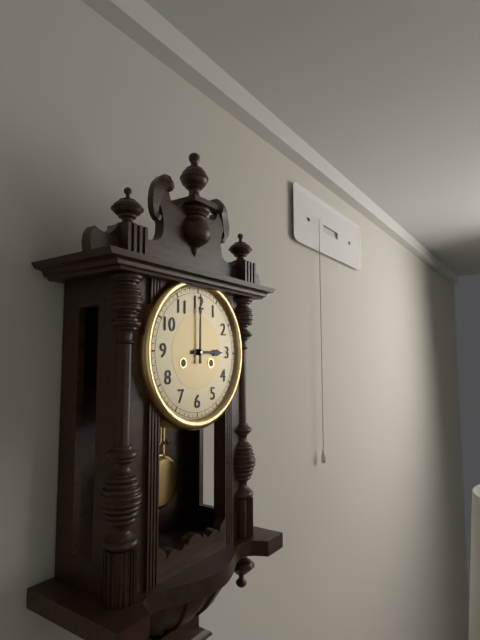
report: 3h00
